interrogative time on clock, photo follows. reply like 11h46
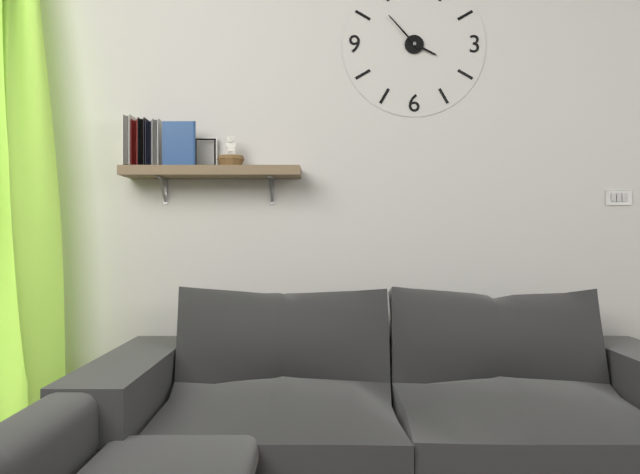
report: 3h53
